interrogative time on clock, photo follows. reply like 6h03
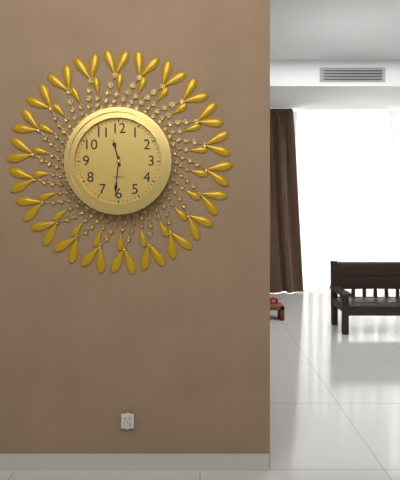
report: 11h31
